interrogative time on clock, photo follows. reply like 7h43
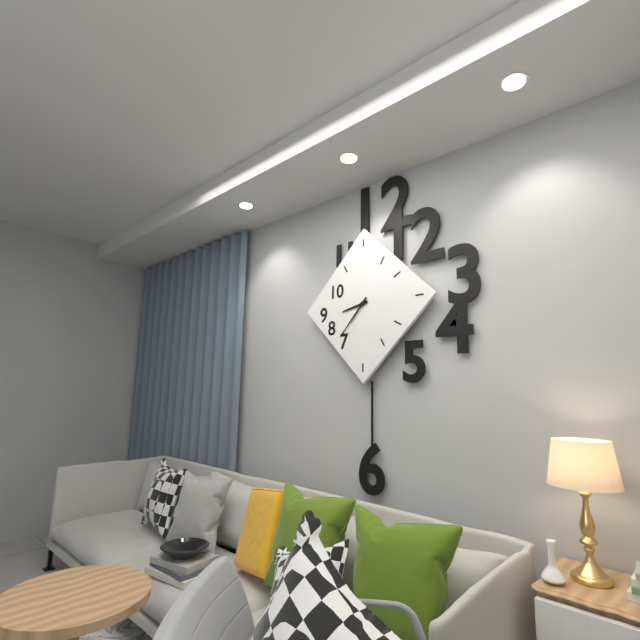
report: 8h37
